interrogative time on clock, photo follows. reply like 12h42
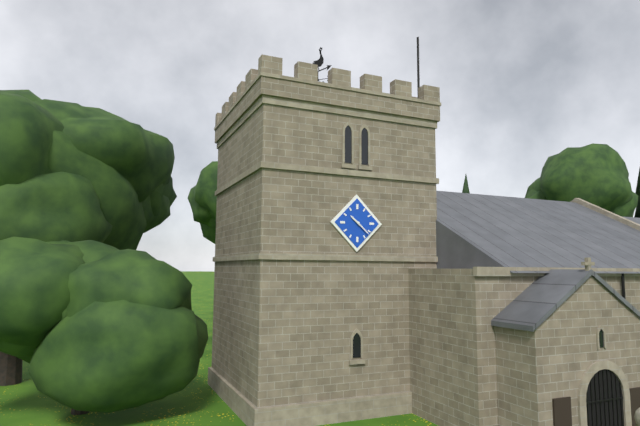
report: 10h22
